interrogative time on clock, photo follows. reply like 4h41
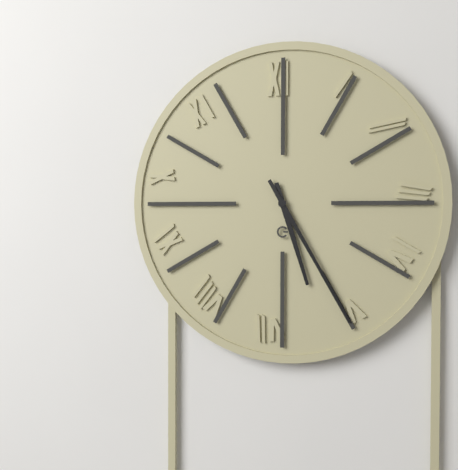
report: 5h25
